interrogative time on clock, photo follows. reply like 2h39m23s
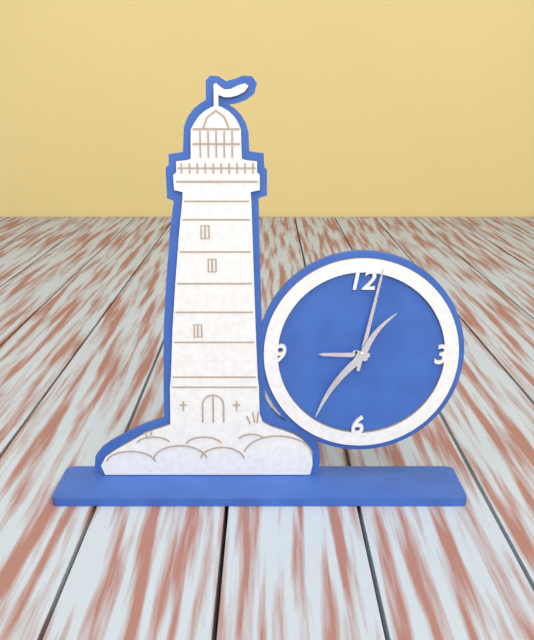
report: 9h02m36s
